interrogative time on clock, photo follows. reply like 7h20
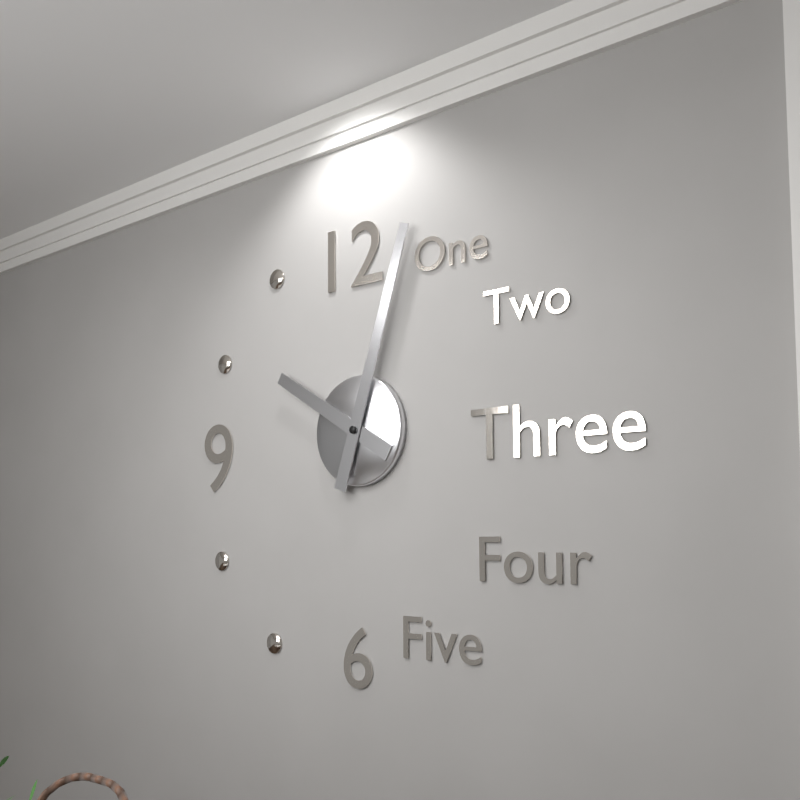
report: 10h03
